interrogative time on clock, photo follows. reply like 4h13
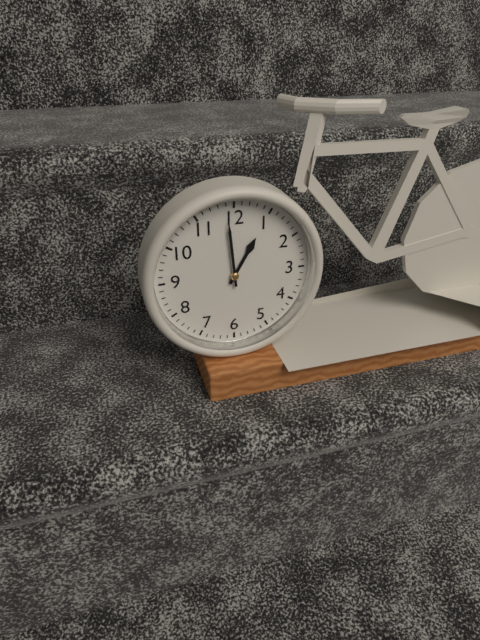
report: 12h59
